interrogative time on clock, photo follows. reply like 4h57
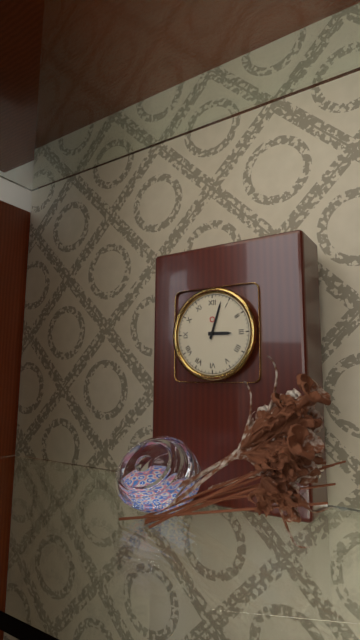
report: 3h03
